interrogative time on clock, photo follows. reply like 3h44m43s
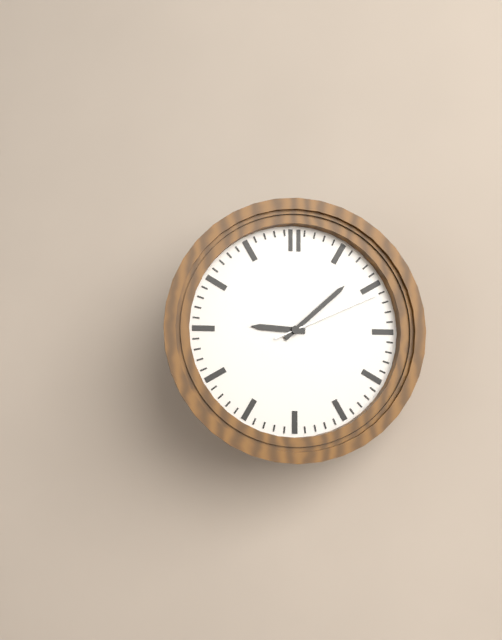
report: 9h08m11s
